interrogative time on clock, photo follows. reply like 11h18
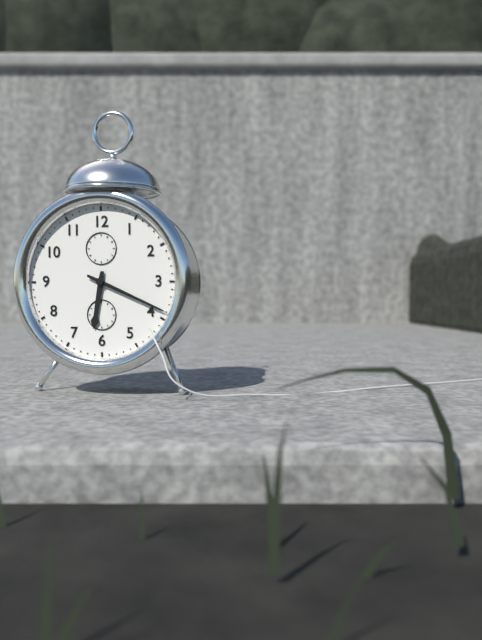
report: 6h19
